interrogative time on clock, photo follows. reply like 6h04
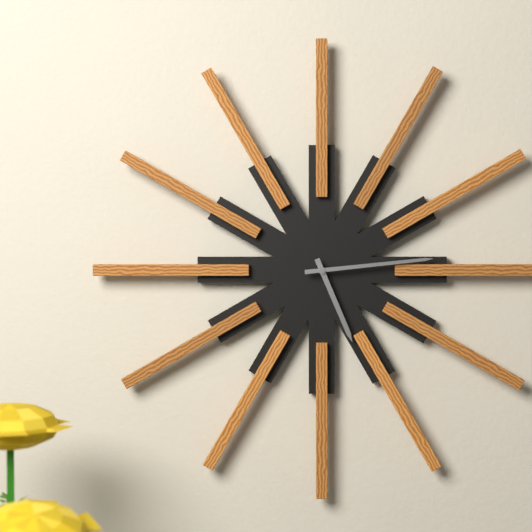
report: 5h14
